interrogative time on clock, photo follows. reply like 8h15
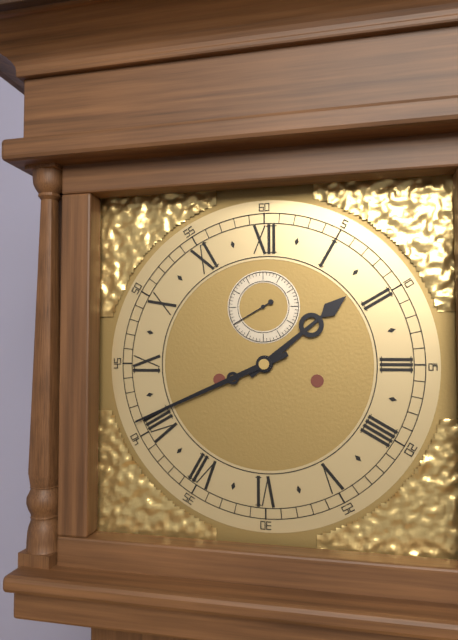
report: 1h41
